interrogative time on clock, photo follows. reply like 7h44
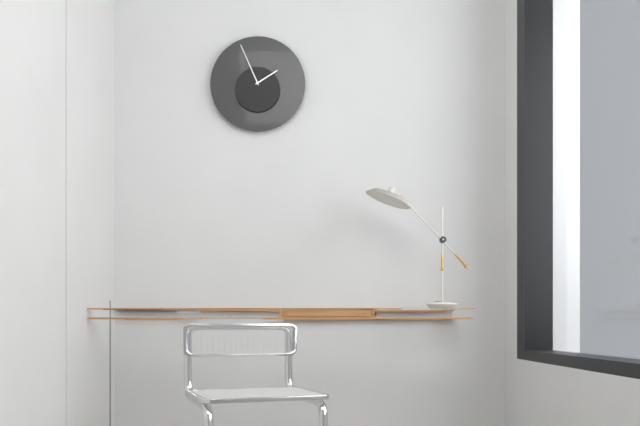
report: 1h56
